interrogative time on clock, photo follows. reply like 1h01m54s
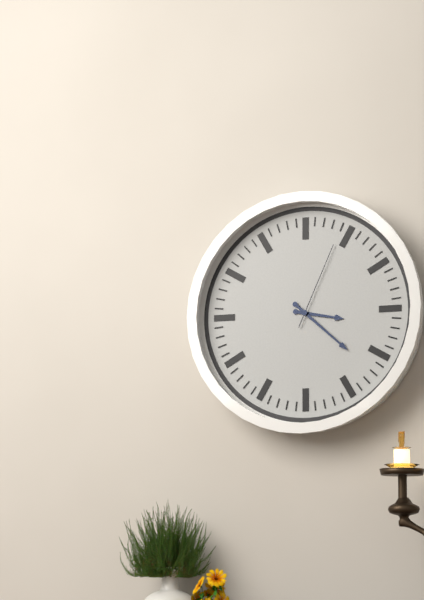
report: 3h22m04s
